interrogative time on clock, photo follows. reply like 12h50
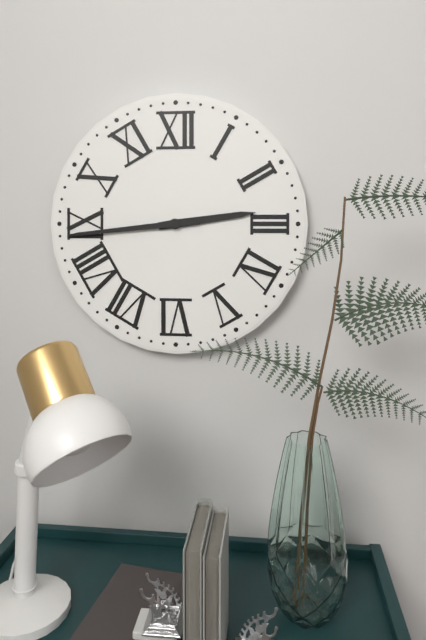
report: 2h44
